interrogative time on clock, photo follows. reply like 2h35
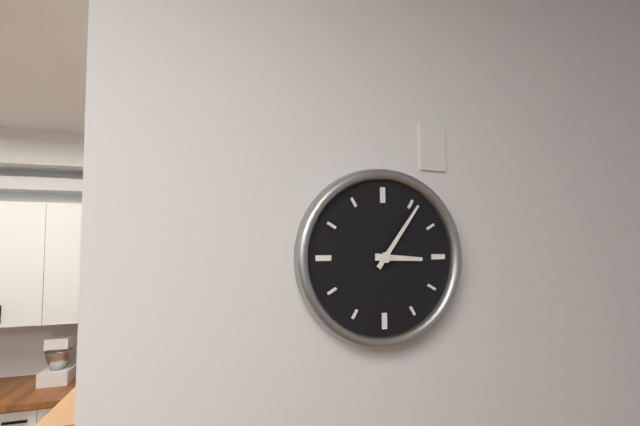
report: 3h06
